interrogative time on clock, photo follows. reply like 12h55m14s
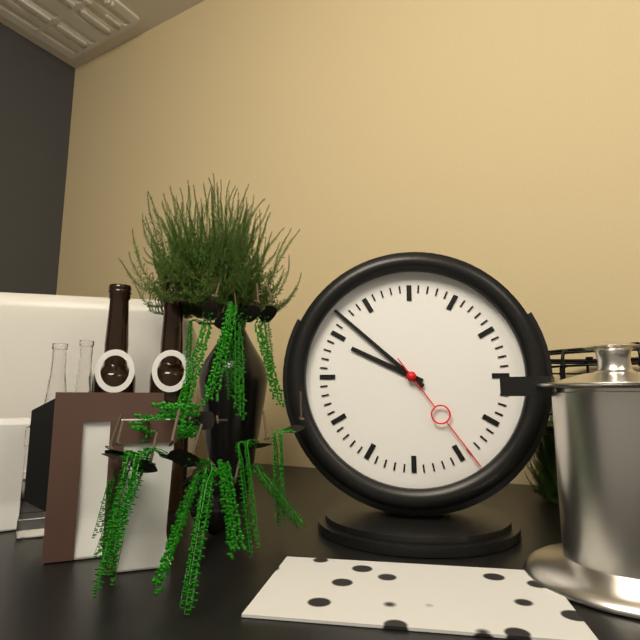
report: 9h52m24s
